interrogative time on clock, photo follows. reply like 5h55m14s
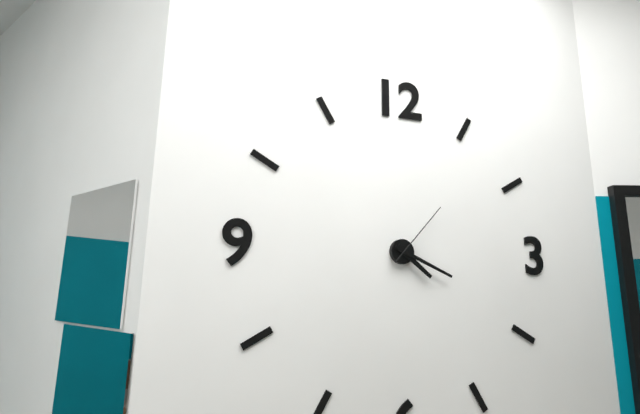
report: 4h19m07s
